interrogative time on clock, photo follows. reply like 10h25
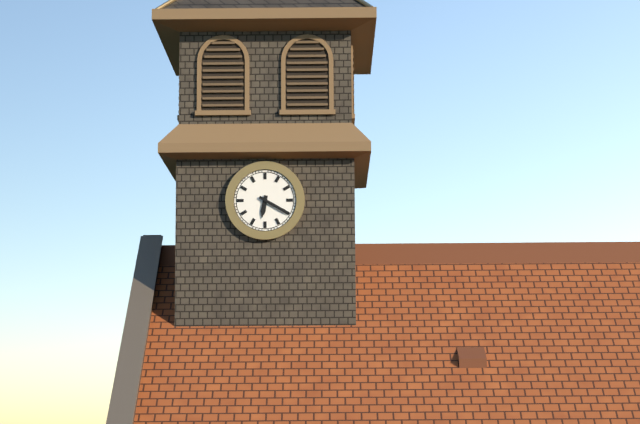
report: 6h20
